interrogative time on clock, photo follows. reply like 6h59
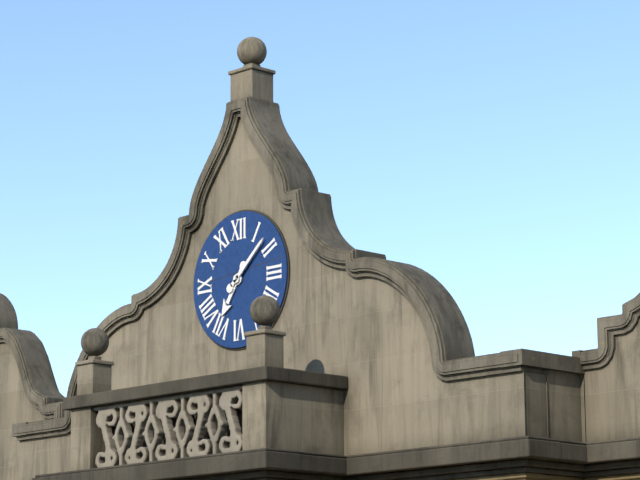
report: 7h08
